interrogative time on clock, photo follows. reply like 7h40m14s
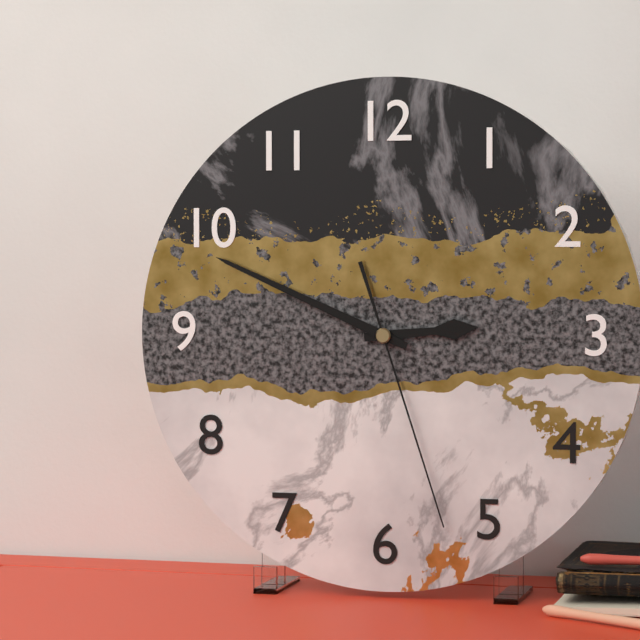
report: 2h49m27s
